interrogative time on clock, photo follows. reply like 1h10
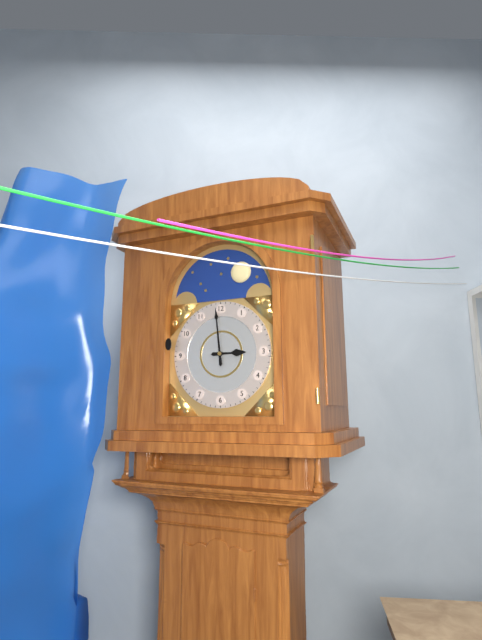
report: 2h59
